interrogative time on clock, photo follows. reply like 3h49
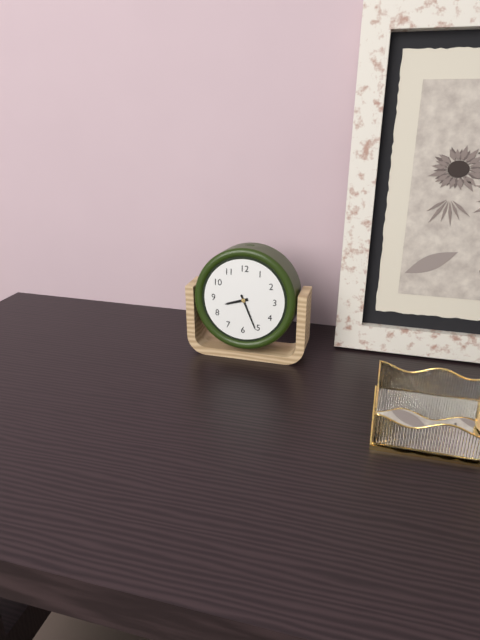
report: 8h26
